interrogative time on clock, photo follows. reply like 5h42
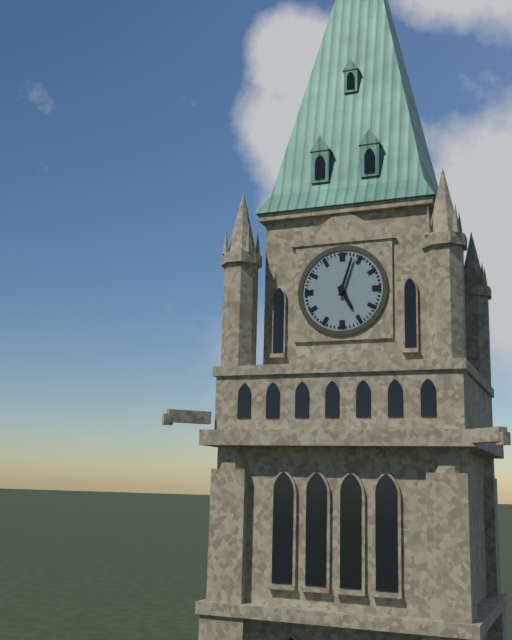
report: 5h03
